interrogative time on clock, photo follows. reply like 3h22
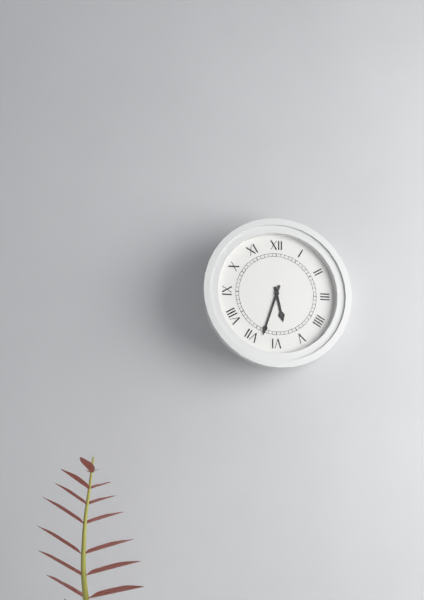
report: 5h33
